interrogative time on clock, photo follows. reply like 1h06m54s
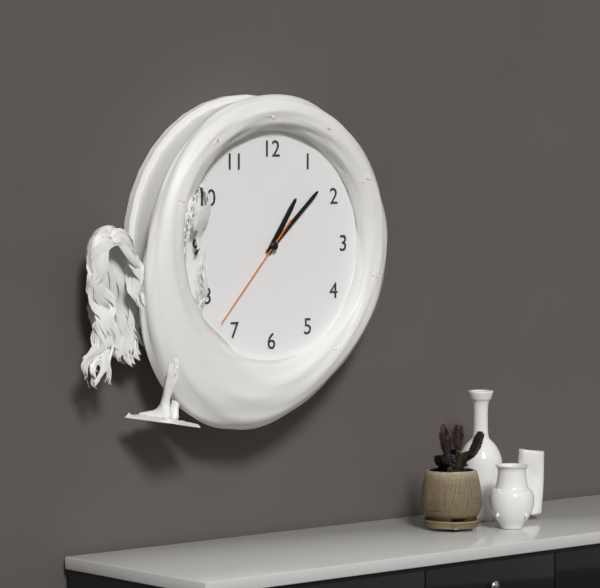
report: 1h08m37s
